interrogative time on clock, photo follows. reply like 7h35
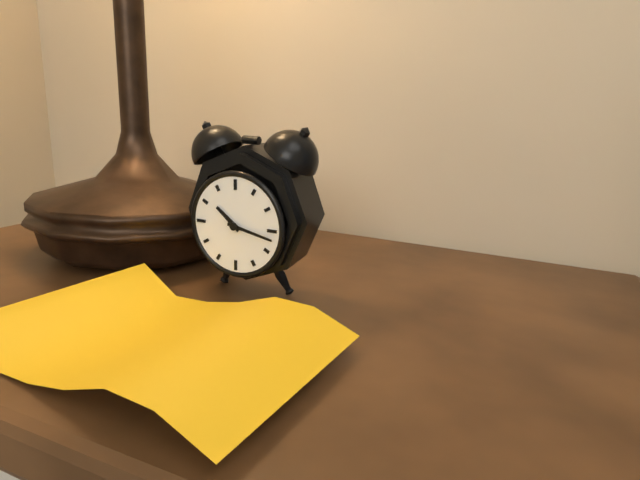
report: 10h17
